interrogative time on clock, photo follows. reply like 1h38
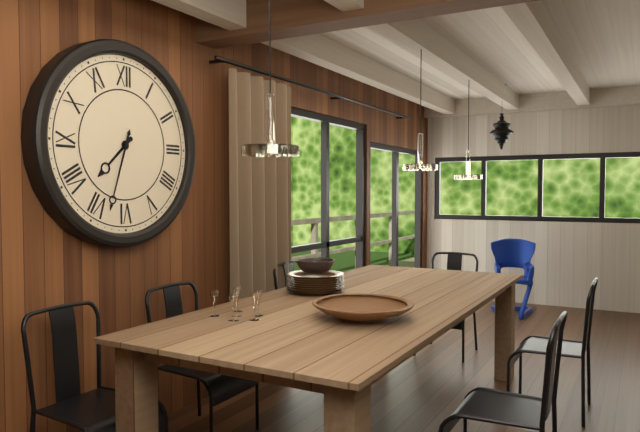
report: 7h33
